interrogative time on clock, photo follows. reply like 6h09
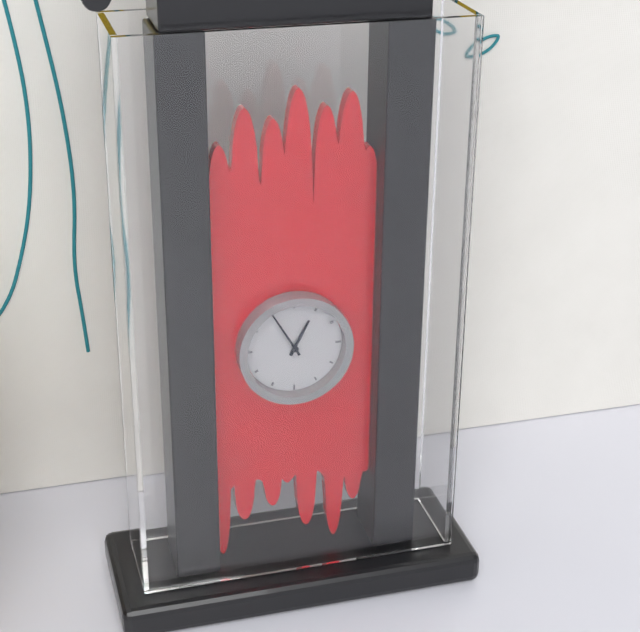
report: 12h55
